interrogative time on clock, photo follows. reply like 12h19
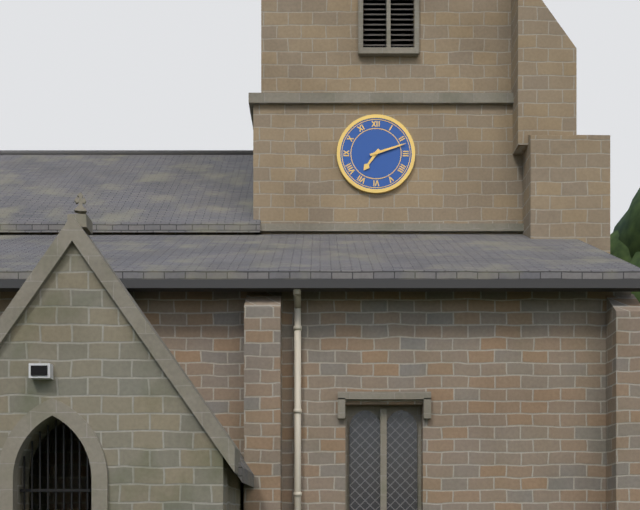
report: 7h12
